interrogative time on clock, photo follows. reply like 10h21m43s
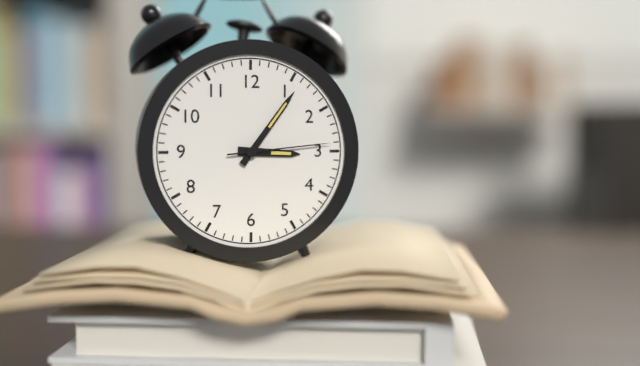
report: 3h06m14s
